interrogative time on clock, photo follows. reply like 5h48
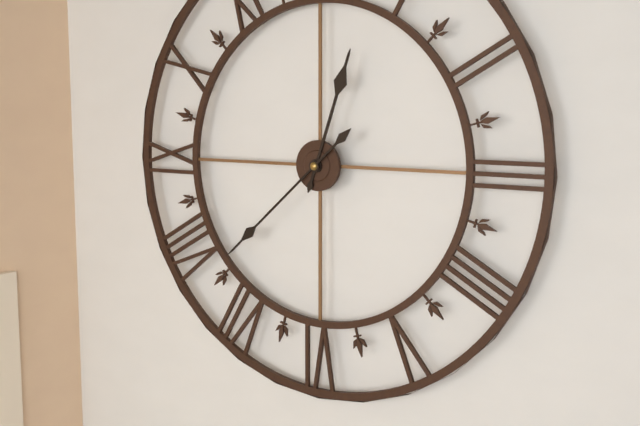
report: 12h38
